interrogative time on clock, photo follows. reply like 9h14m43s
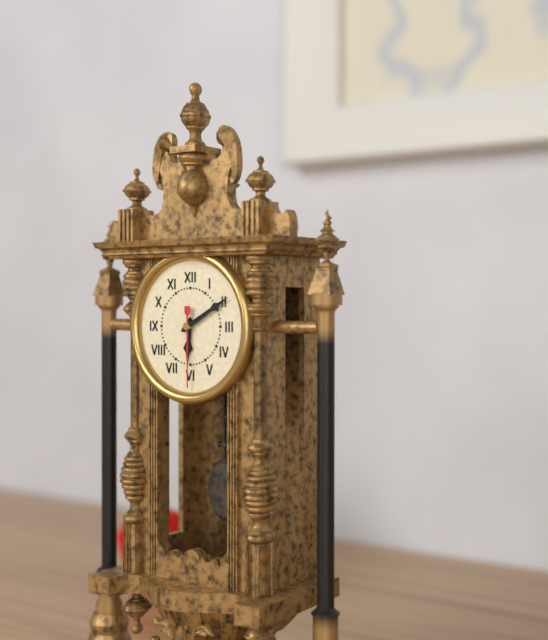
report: 6h10m30s
